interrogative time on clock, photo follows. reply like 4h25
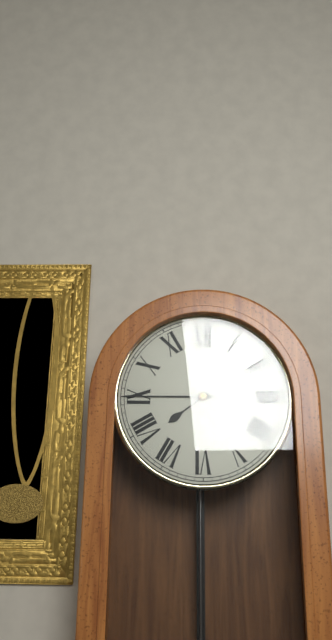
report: 7h45
